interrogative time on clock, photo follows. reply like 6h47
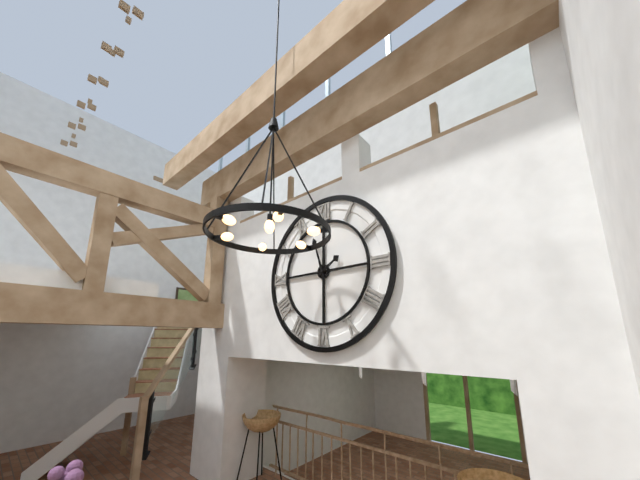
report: 1h57
